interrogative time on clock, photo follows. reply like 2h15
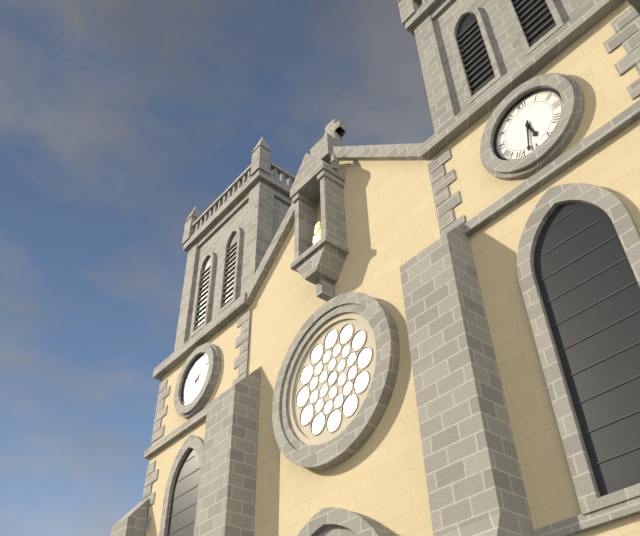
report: 5h32
